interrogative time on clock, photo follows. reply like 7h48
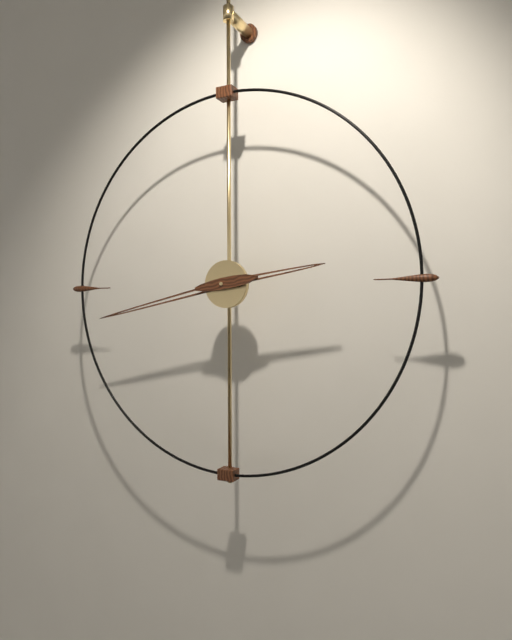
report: 2h43
